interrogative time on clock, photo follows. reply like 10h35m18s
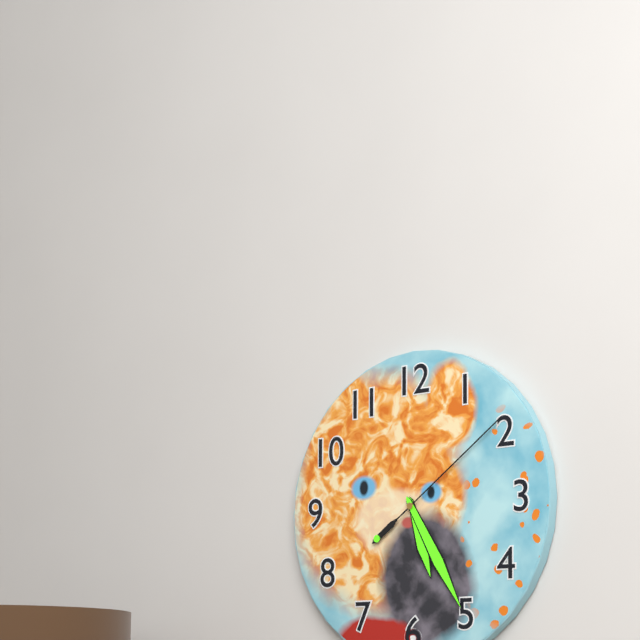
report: 5h25m09s
